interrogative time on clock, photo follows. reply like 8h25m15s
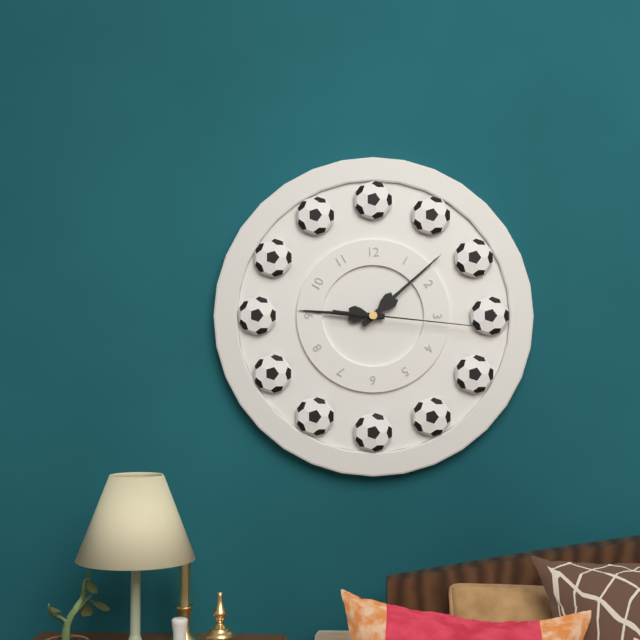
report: 9h08m16s
